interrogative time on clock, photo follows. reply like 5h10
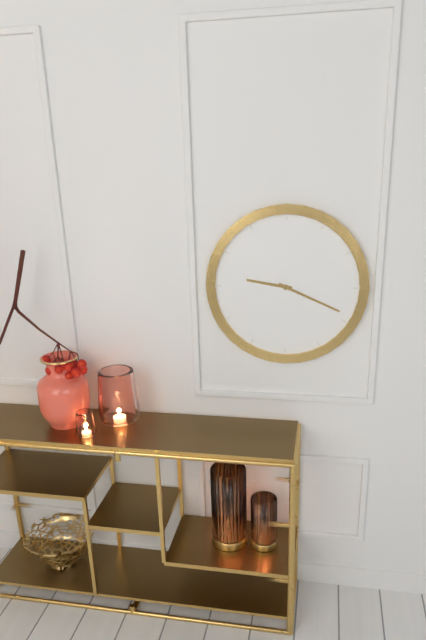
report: 9h19
